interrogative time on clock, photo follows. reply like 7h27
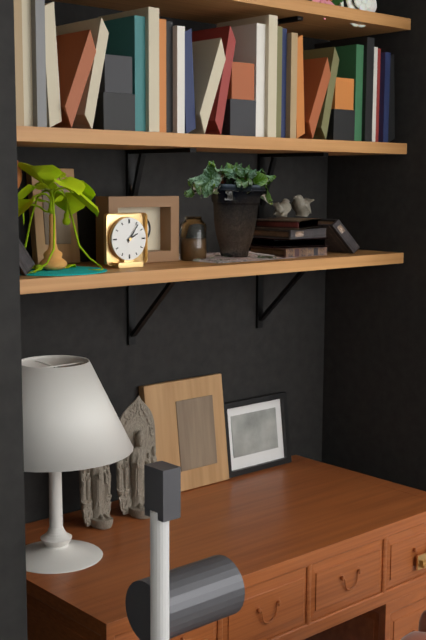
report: 2h06
